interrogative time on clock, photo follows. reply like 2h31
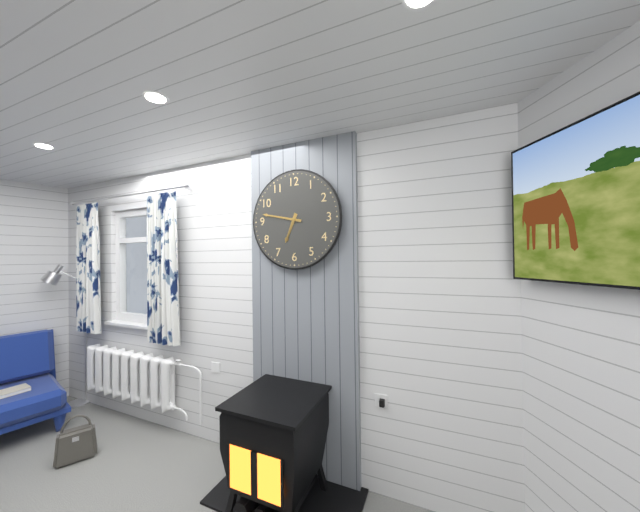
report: 6h47
